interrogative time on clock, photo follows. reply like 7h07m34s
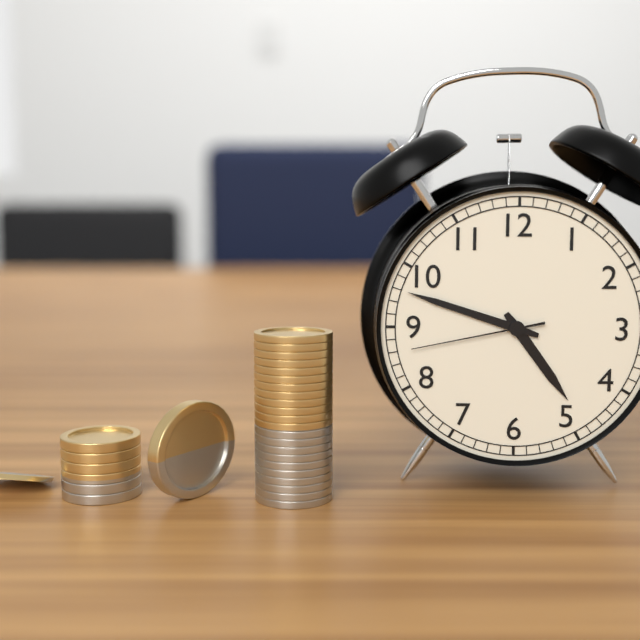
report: 4h48m43s
